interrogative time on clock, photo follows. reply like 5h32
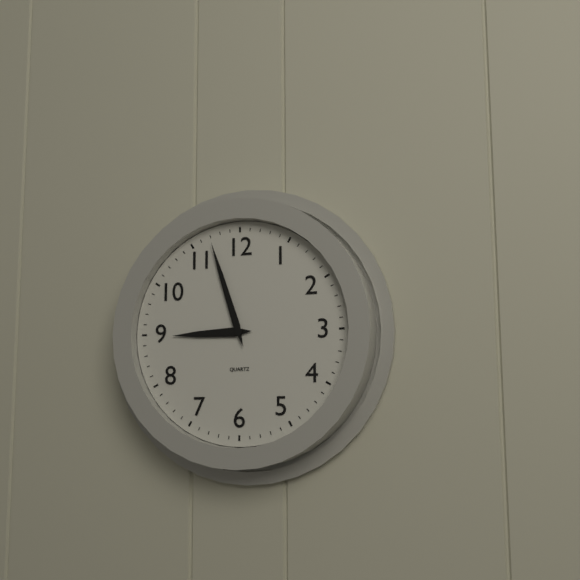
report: 8h57
